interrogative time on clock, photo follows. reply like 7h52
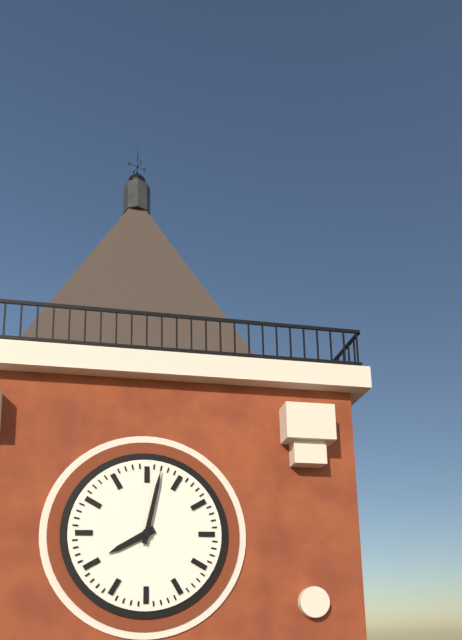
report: 8h02
